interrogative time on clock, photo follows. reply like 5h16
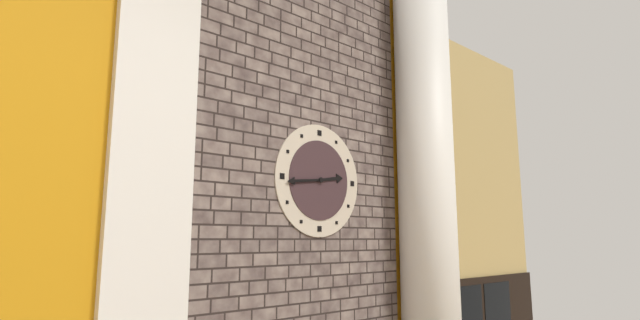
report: 2h44
